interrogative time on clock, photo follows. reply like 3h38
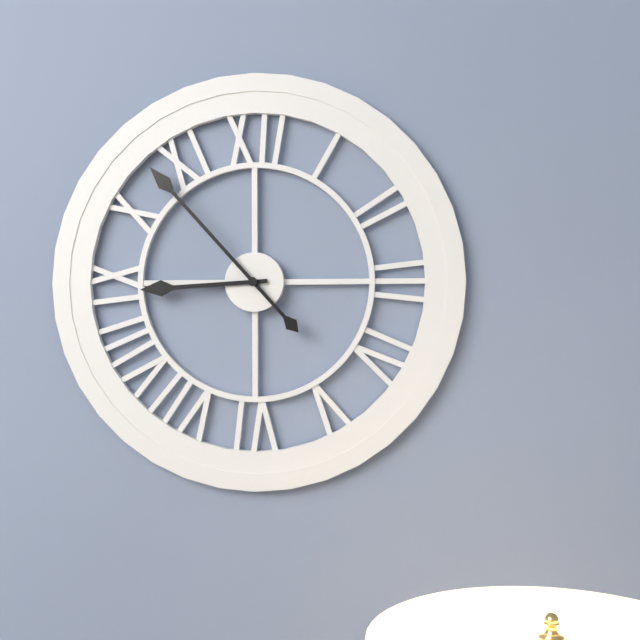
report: 8h53
